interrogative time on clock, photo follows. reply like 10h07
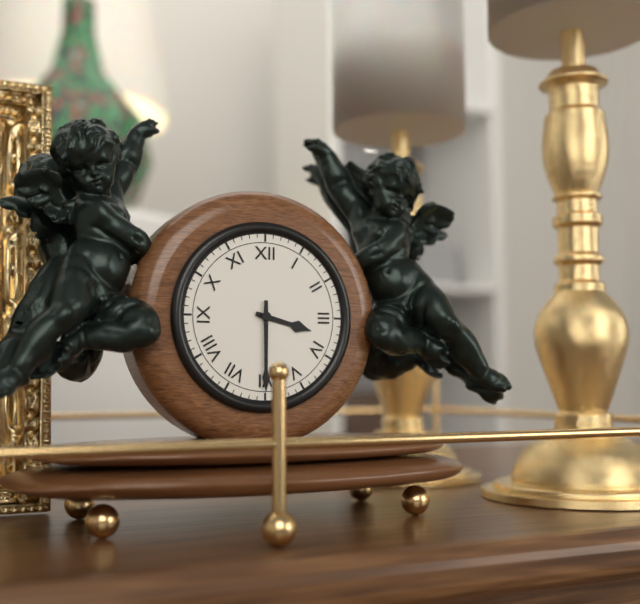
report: 3h30
